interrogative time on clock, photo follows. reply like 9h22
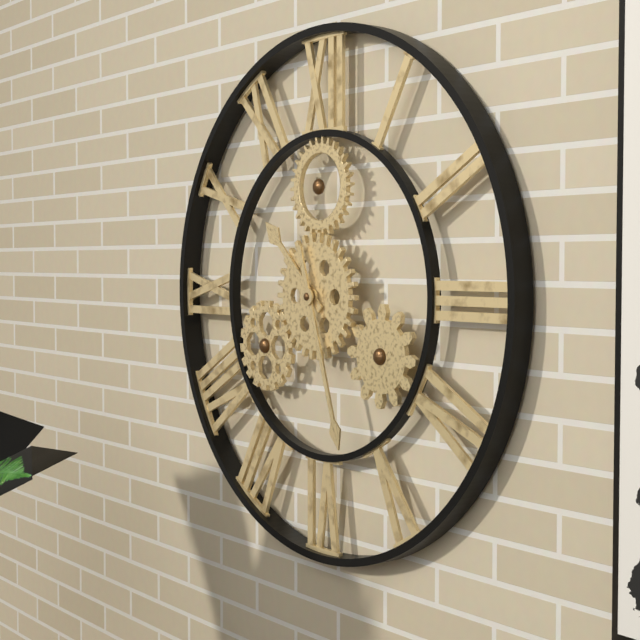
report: 10h27
